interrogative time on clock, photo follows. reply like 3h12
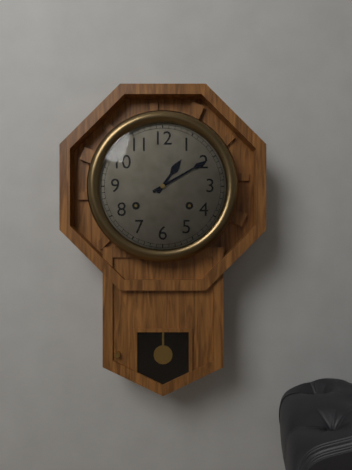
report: 1h10
